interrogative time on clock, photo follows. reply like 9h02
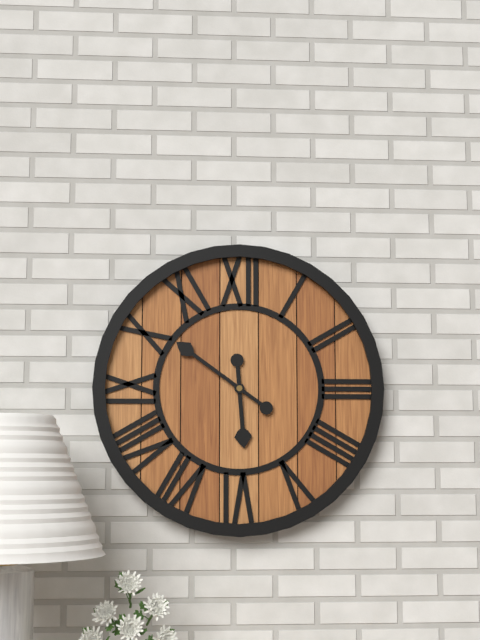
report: 5h51
